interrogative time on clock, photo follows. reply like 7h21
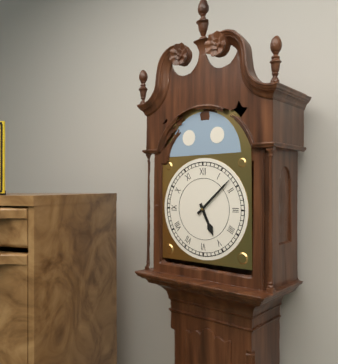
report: 5h08
